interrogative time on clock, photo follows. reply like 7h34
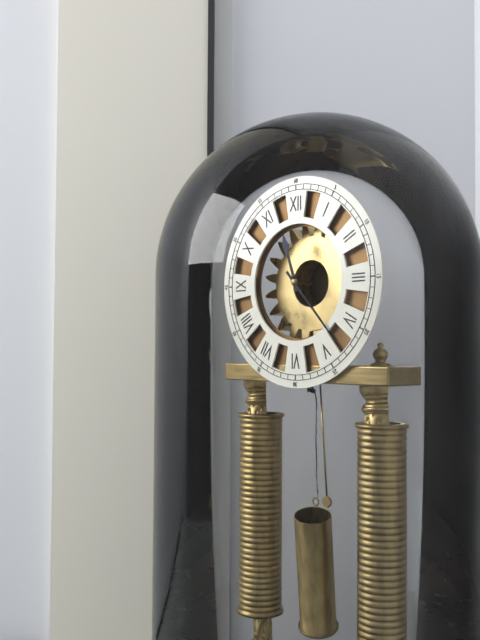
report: 11h23
